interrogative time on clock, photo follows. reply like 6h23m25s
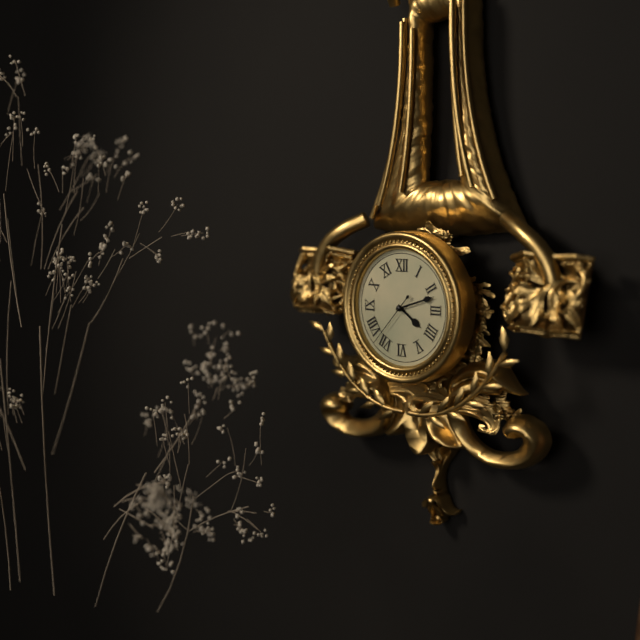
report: 4h12m37s
